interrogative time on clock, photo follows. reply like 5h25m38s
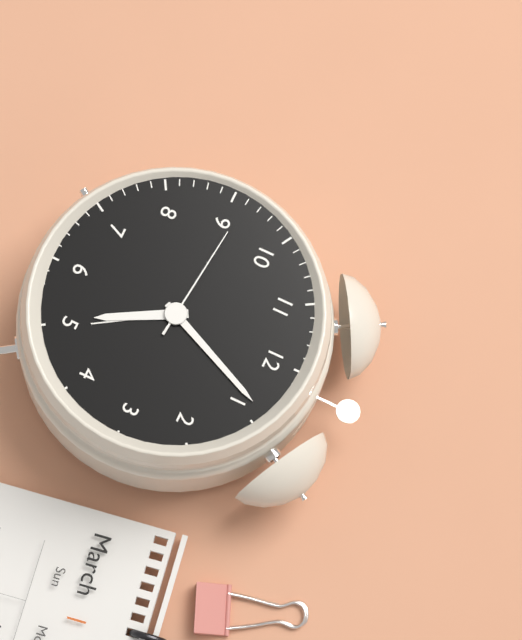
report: 5h04m46s
